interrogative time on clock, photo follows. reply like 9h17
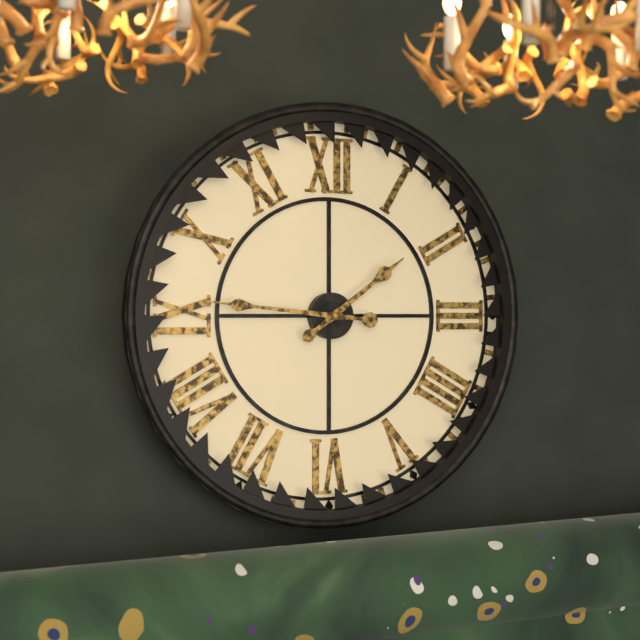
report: 1h46
